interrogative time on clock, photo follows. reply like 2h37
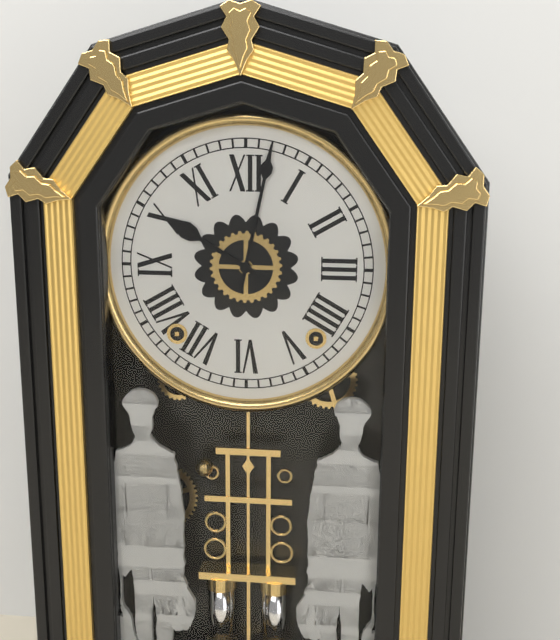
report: 10h02
